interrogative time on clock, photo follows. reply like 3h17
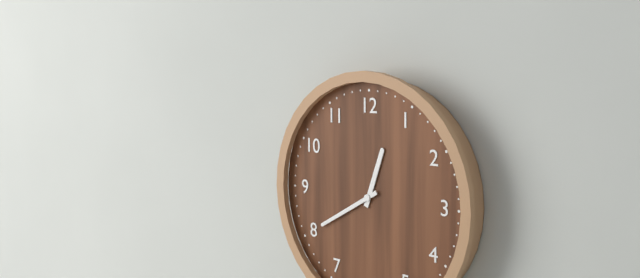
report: 12h40
